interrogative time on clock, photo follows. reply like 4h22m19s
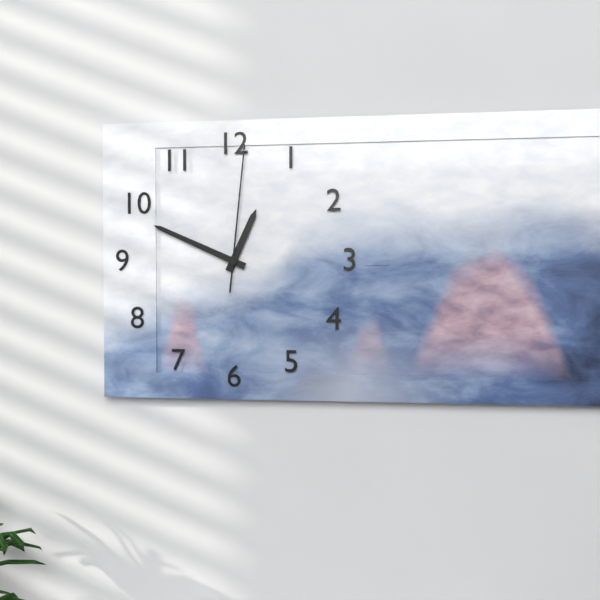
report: 12h49m01s
